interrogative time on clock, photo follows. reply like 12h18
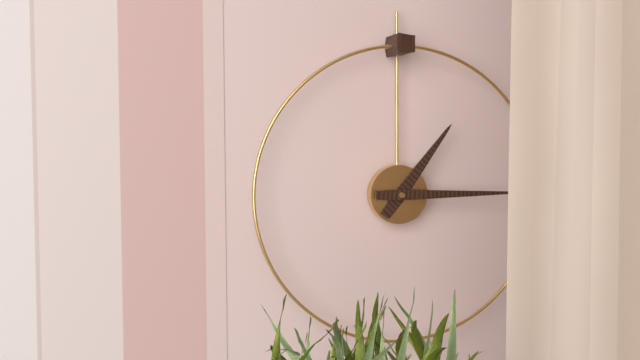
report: 1h15
